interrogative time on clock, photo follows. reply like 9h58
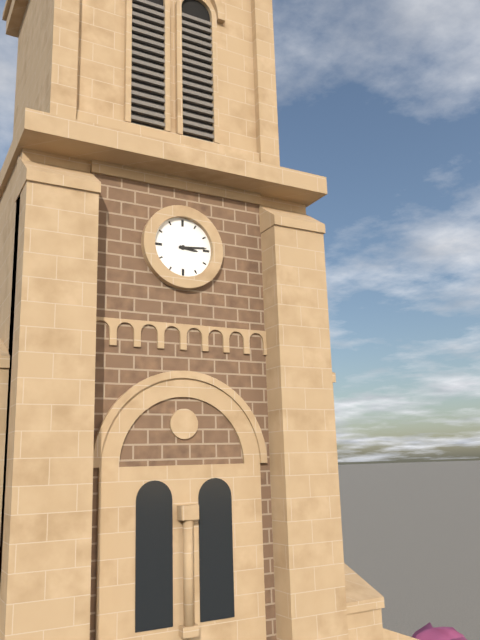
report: 3h14
